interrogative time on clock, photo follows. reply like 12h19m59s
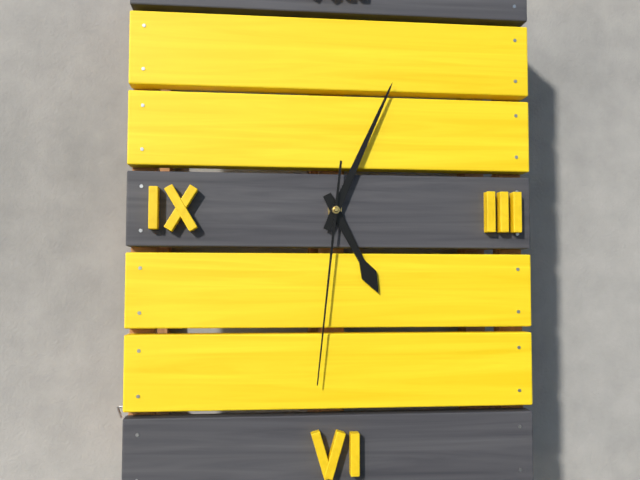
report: 5h04m31s
